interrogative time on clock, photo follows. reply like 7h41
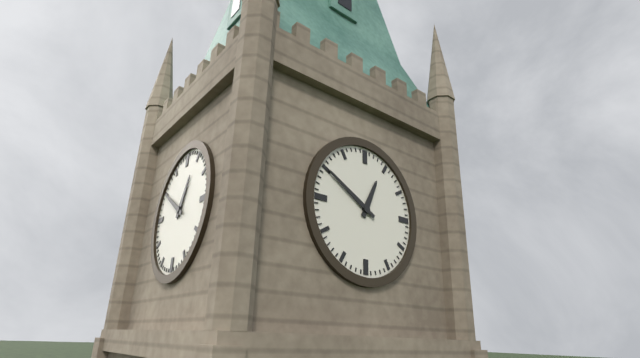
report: 12h50
